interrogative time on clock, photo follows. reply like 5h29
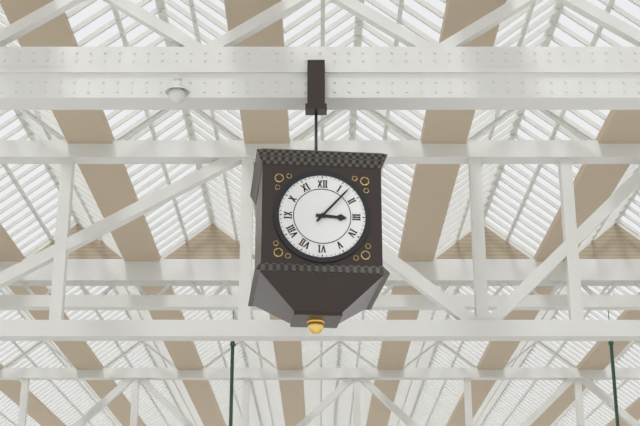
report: 3h07
